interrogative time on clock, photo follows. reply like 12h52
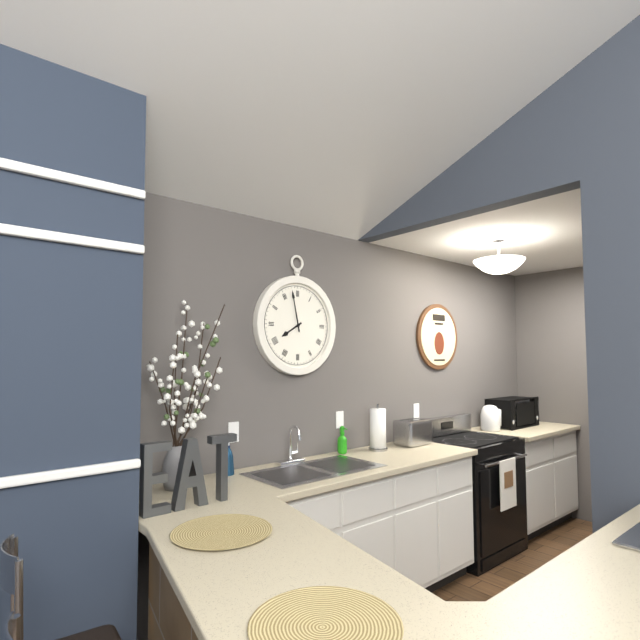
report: 7h58
